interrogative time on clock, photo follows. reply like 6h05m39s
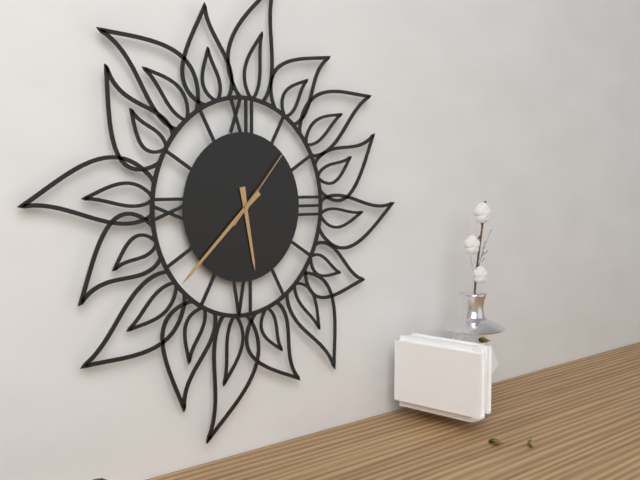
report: 5h38m07s
